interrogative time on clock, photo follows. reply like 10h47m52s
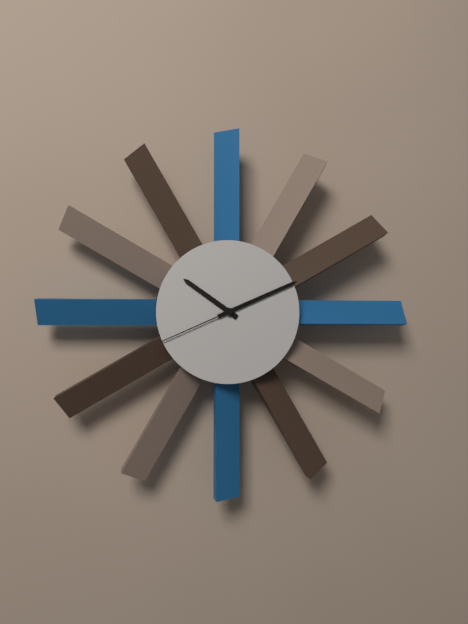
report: 10h11m41s
